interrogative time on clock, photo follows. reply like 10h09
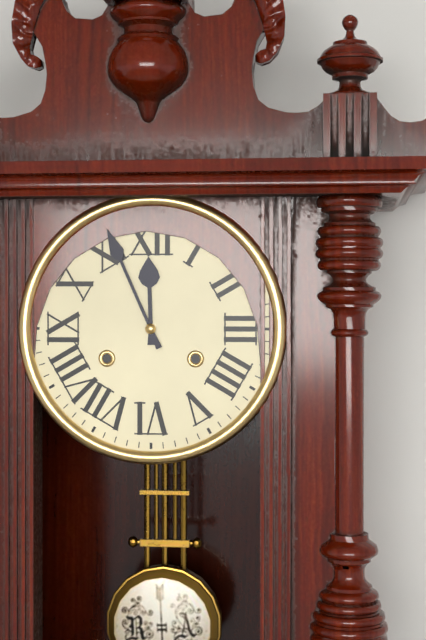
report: 11h56
